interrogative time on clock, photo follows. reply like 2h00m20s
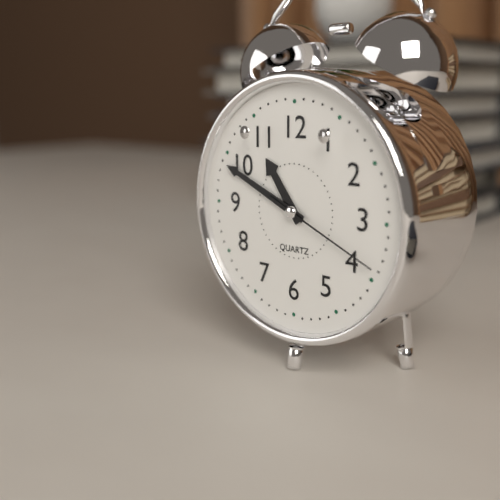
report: 10h49m19s
